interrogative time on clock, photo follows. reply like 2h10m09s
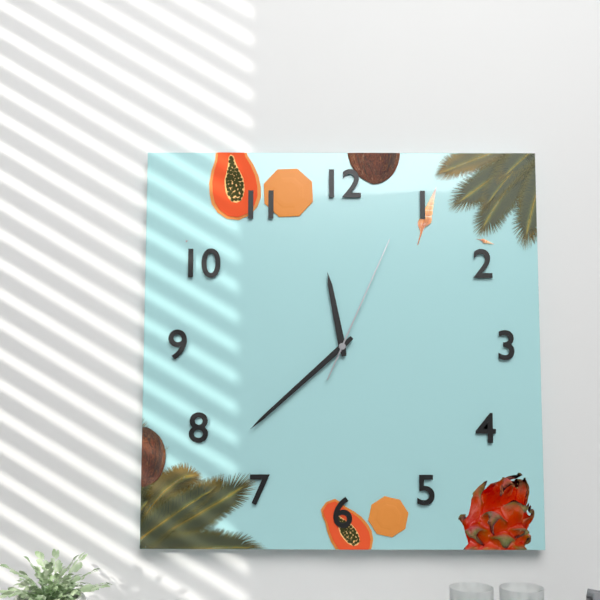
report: 11h38m04s
